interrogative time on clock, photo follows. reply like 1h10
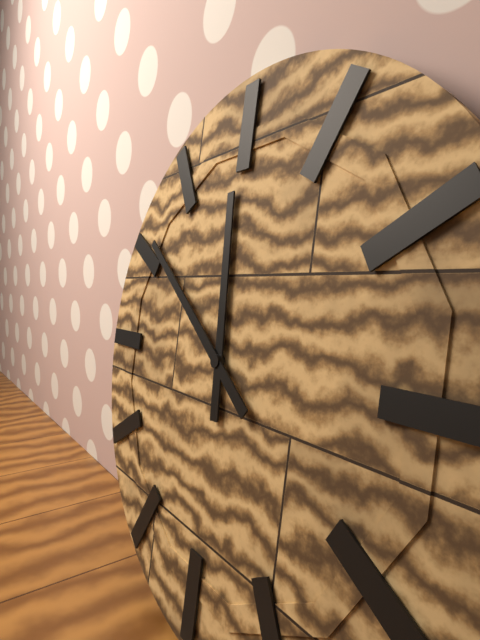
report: 11h51
